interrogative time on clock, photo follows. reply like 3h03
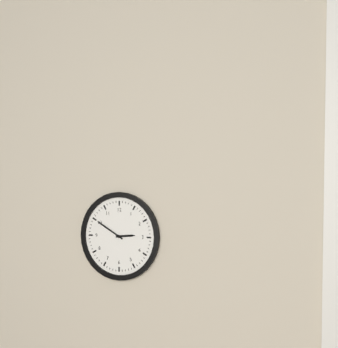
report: 2h50
